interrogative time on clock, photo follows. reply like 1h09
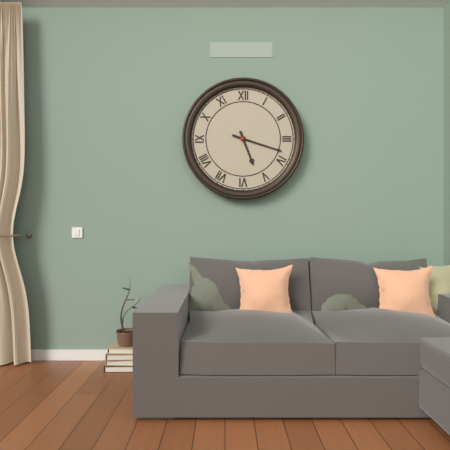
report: 5h18
